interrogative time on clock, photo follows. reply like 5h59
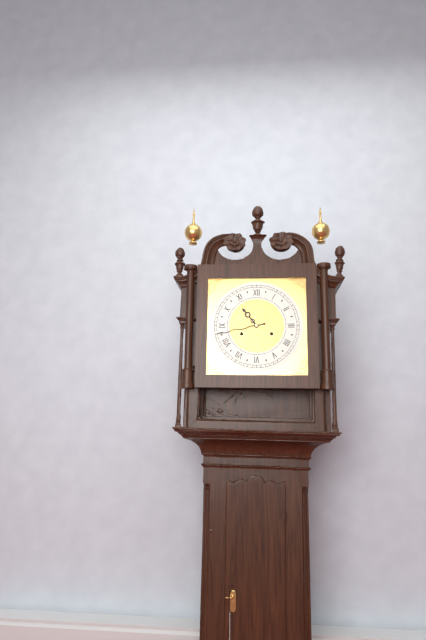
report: 10h43
